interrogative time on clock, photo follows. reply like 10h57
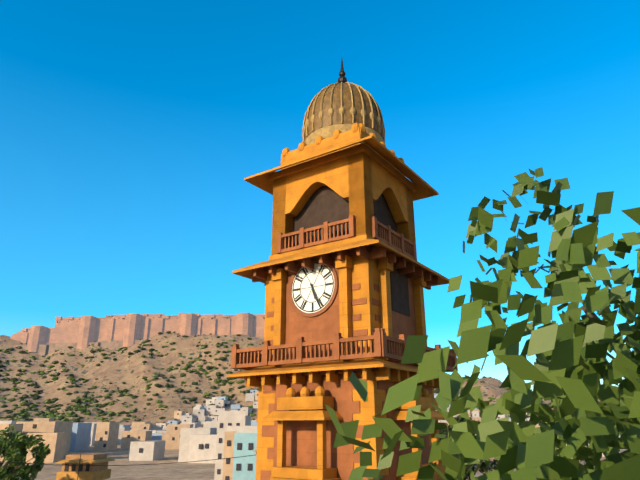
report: 5h26
